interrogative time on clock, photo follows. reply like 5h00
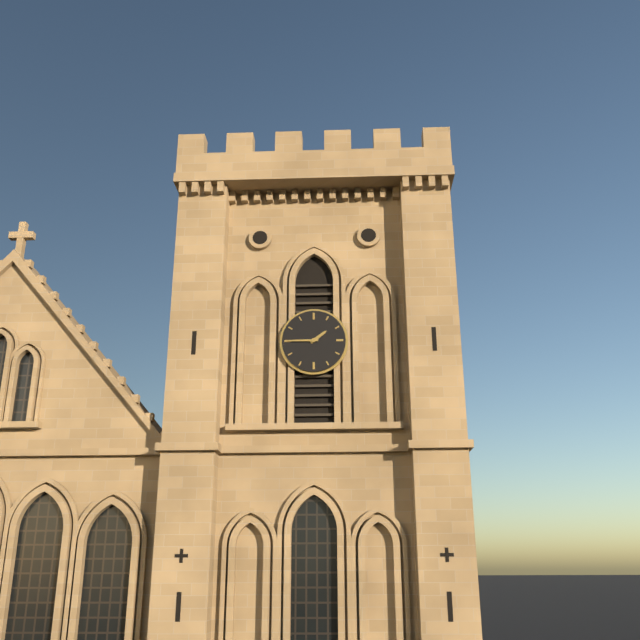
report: 1h45
